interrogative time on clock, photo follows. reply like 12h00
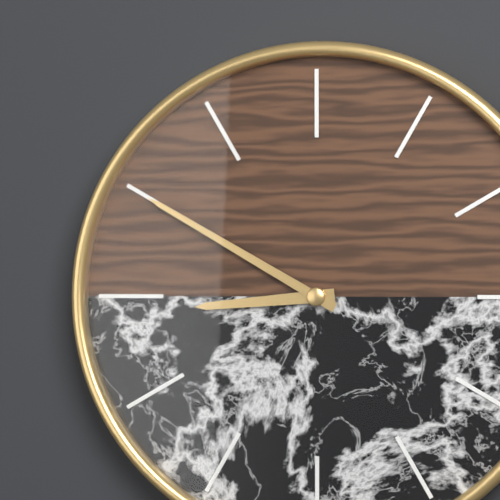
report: 8h50
